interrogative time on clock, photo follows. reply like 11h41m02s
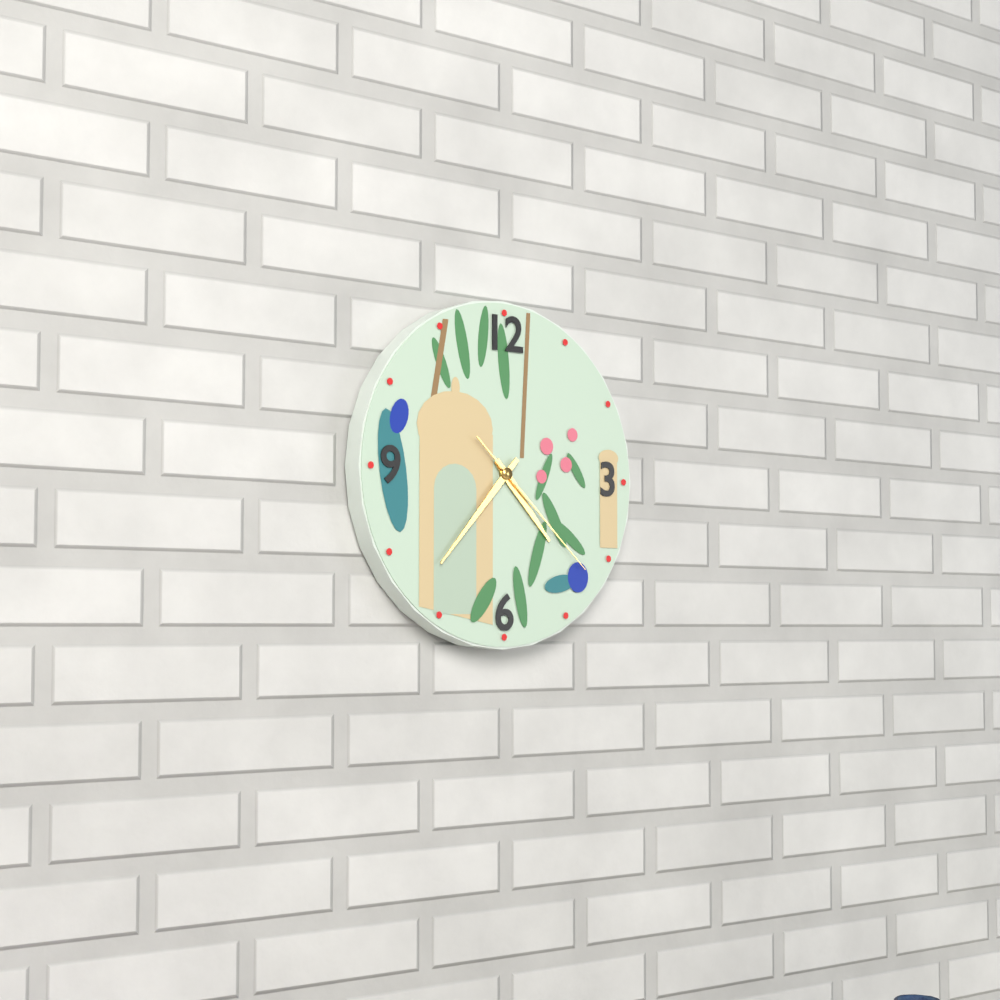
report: 4h37m22s
